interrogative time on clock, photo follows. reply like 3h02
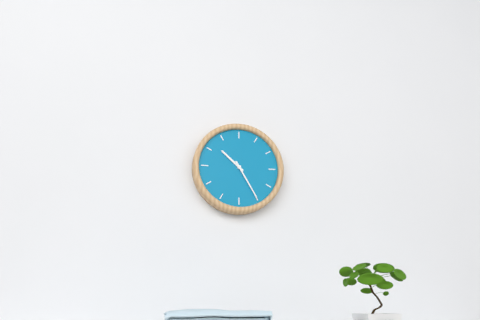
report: 10h25
